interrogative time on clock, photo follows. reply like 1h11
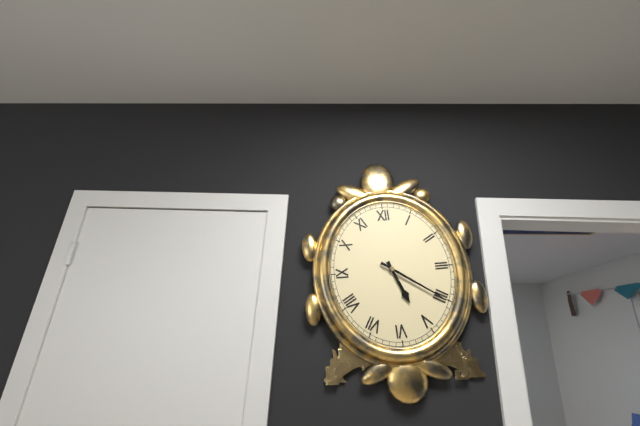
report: 5h21
